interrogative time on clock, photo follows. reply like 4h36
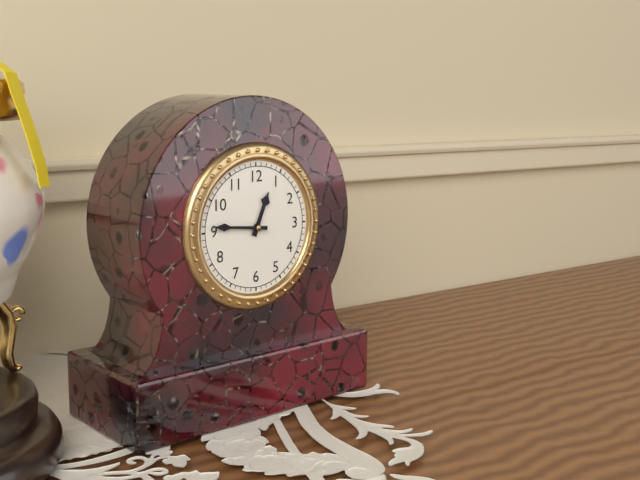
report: 12h46
